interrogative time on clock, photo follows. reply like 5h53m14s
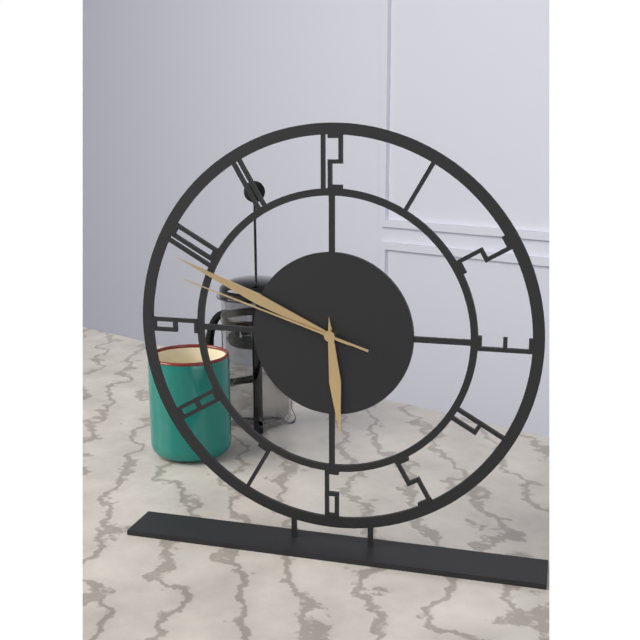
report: 5h49m48s
